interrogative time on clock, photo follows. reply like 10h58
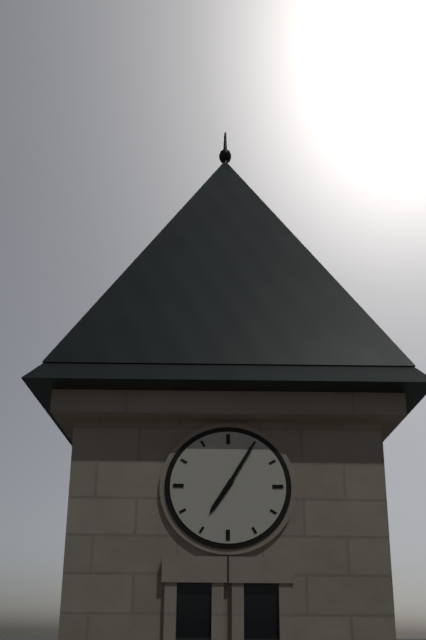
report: 7h05
